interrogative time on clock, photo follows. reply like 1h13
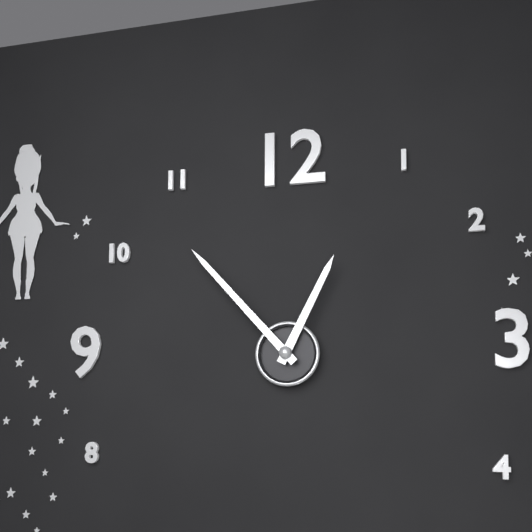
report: 12h53
